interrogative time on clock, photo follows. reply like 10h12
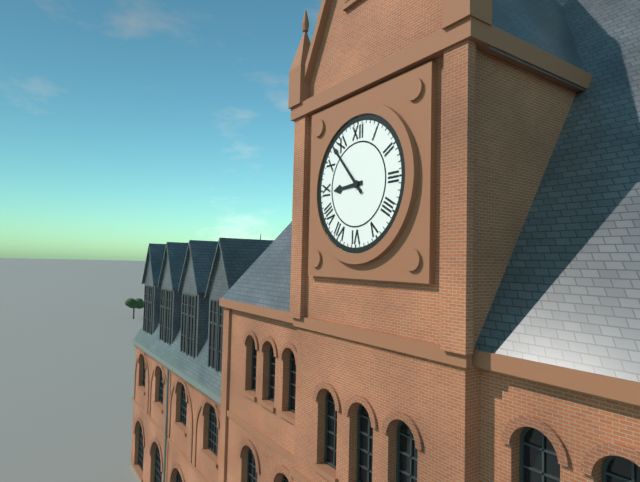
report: 8h53
